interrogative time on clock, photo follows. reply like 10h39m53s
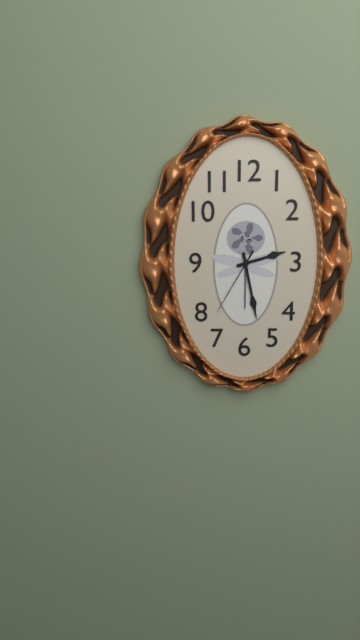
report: 2h28m35s
